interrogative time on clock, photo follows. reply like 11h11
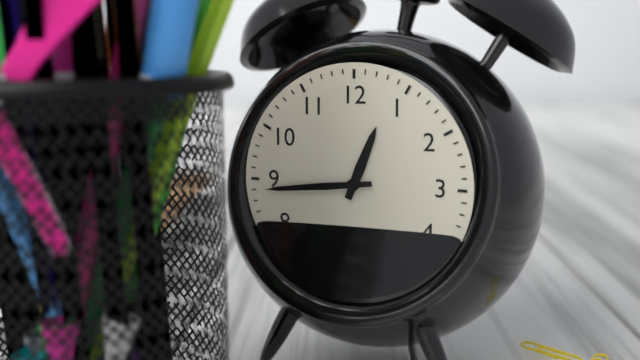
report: 12h44
